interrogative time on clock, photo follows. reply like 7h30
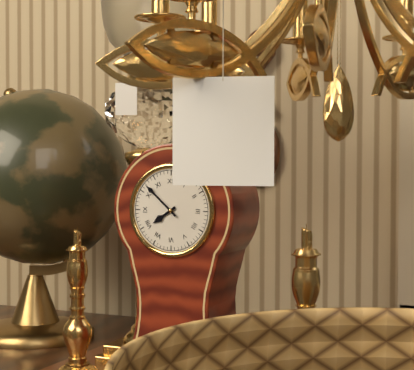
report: 7h52
